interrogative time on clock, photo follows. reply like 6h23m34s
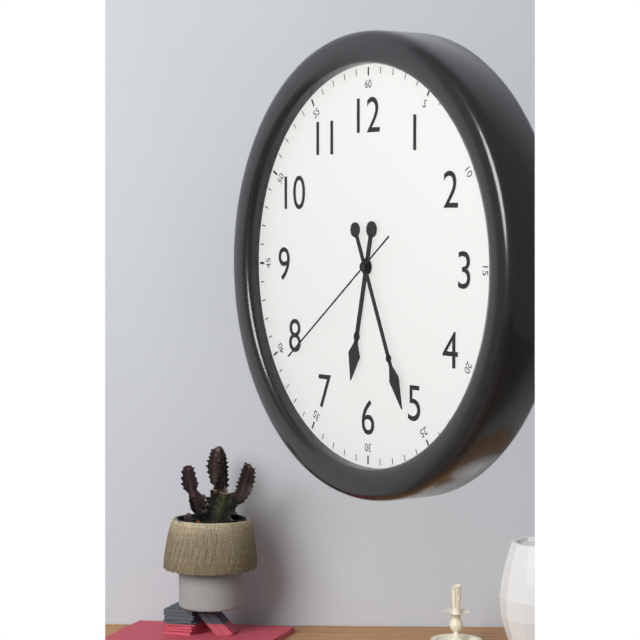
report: 6h26m39s
